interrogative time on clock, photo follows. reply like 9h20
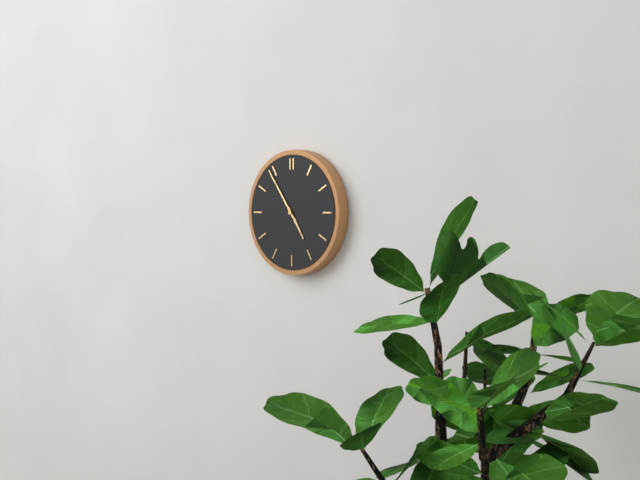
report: 4h54
